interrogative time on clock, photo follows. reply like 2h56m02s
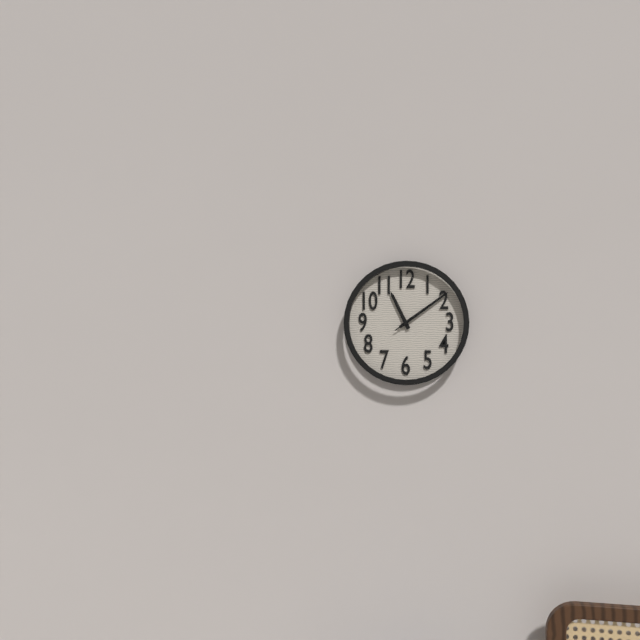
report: 11h09m09s
